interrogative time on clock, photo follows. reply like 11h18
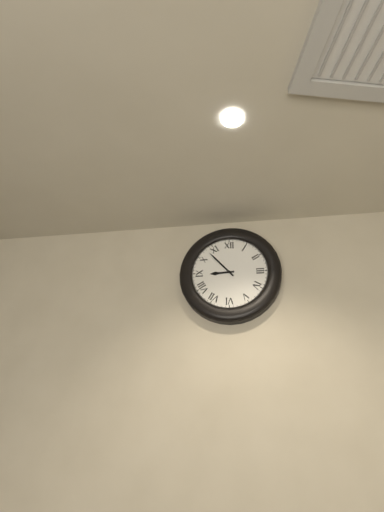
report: 8h53
